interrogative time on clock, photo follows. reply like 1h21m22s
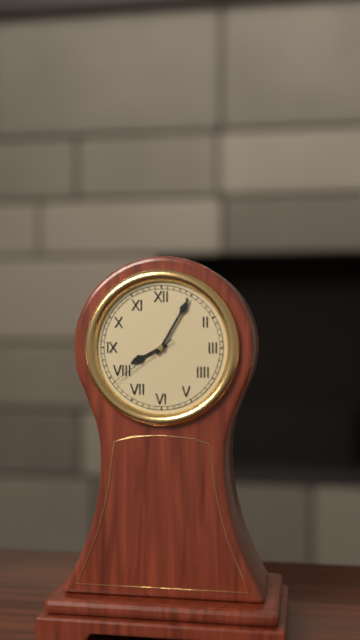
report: 8h05m39s
